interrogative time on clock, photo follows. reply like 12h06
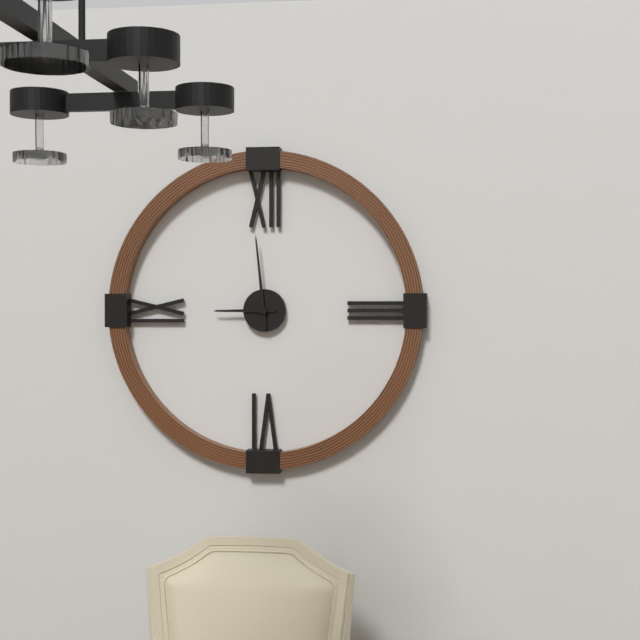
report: 8h59
